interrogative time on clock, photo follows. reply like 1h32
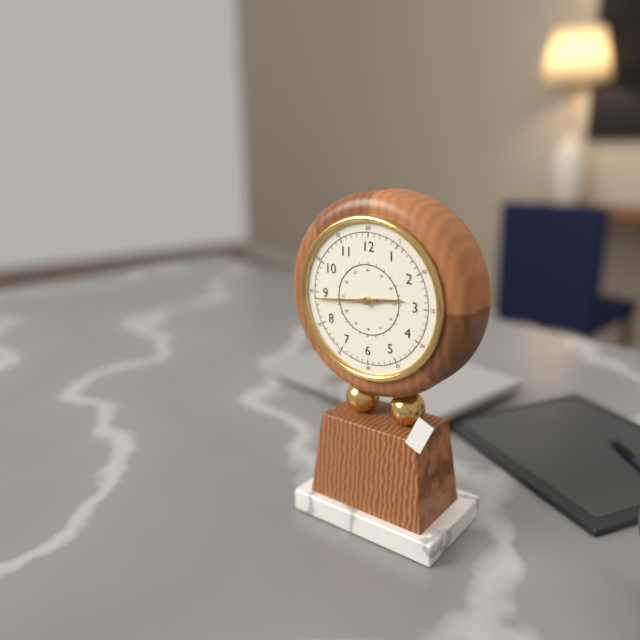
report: 2h44
